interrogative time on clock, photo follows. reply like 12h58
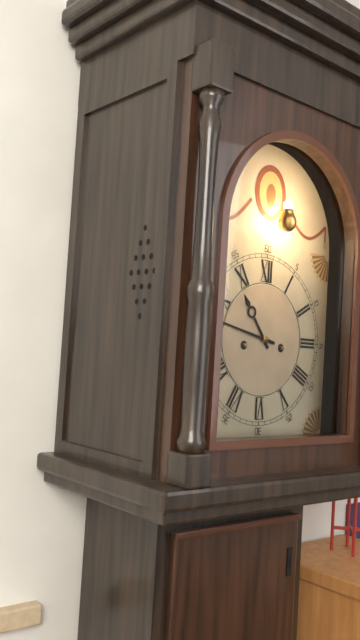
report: 10h47
